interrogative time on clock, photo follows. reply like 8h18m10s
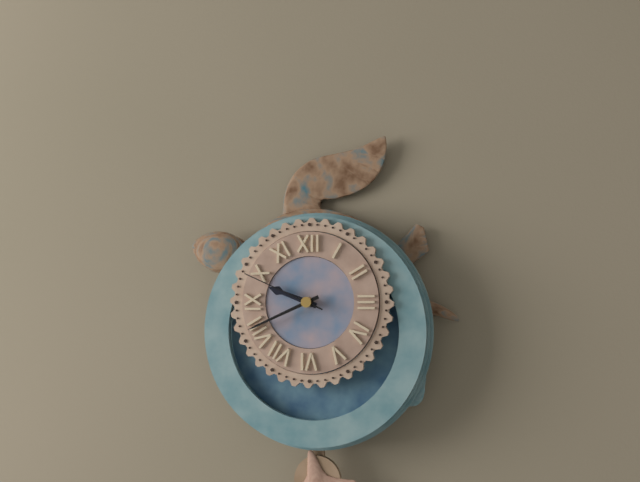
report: 9h41m49s
